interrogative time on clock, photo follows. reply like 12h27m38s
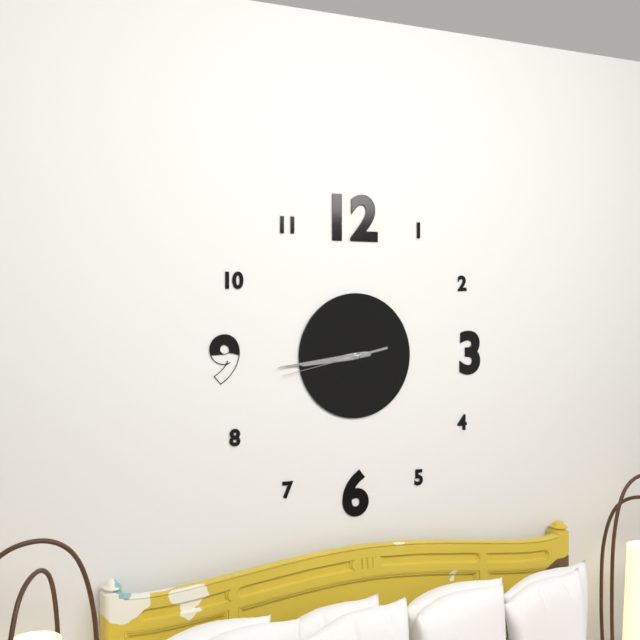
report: 8h44m43s
